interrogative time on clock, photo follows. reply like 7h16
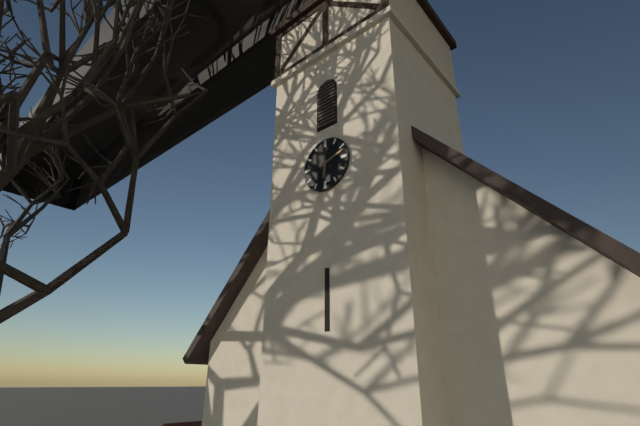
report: 6h12
